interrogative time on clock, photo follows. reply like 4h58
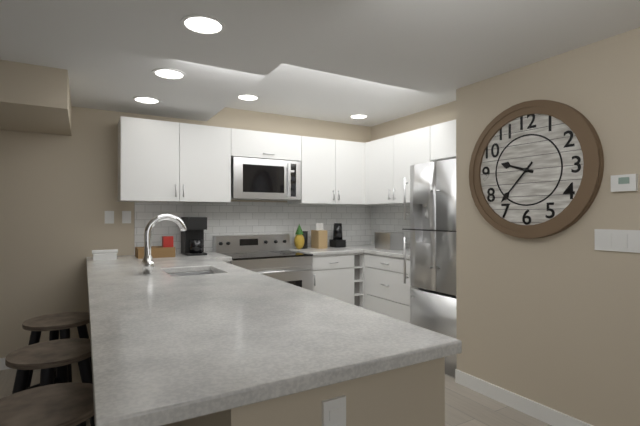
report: 9h37
